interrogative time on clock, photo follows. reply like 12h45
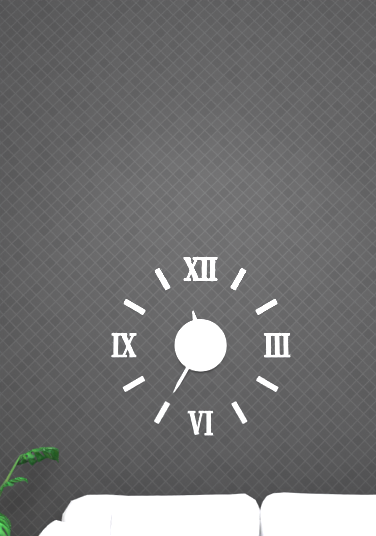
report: 11h35
